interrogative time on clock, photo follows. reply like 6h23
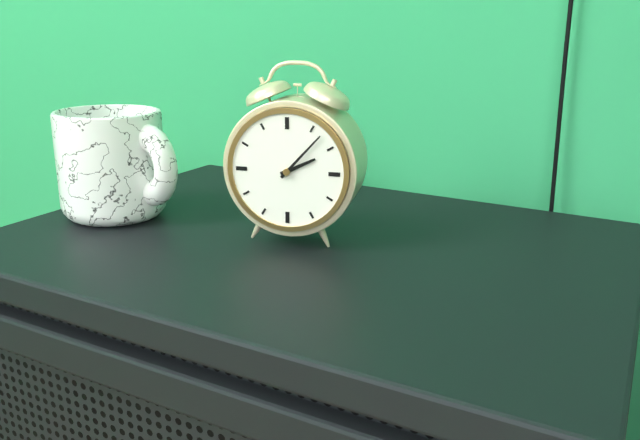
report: 2h07
